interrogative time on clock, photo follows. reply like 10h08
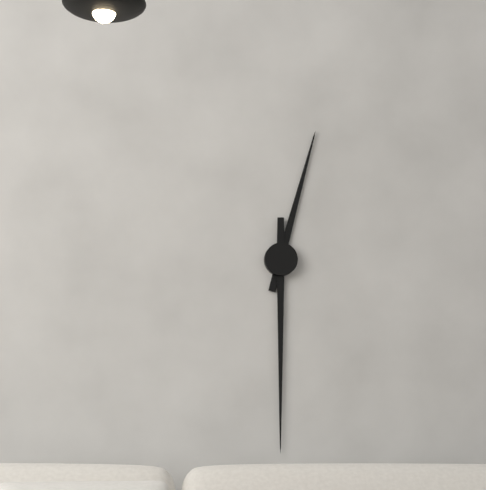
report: 12h30
